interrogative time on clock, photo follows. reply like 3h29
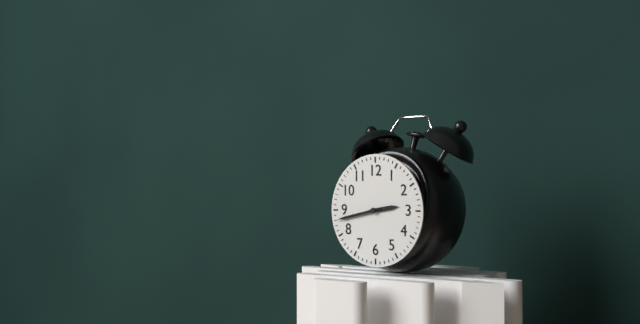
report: 2h43
